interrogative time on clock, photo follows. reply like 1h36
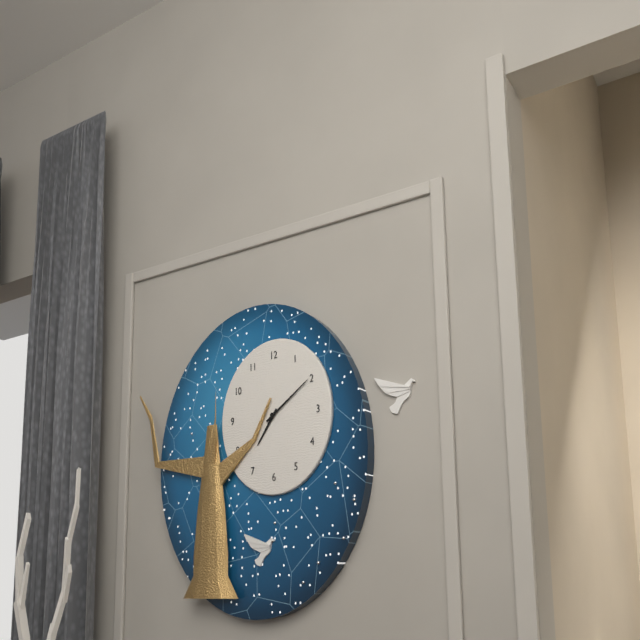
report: 7h09
